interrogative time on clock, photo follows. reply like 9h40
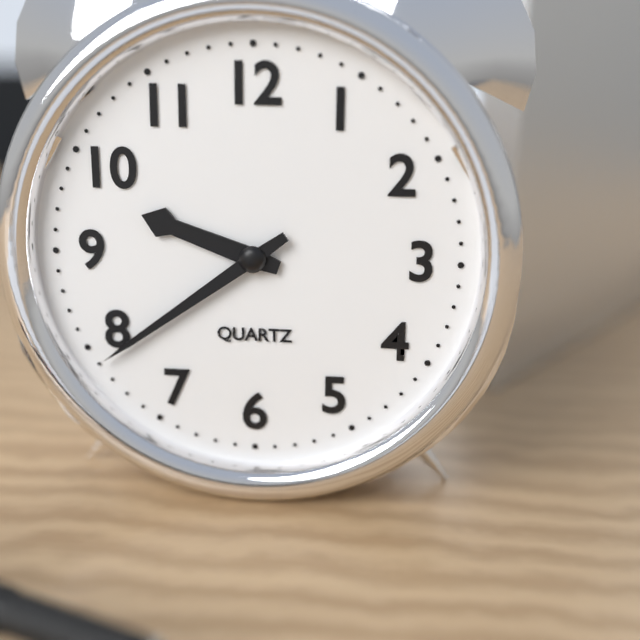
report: 9h39
